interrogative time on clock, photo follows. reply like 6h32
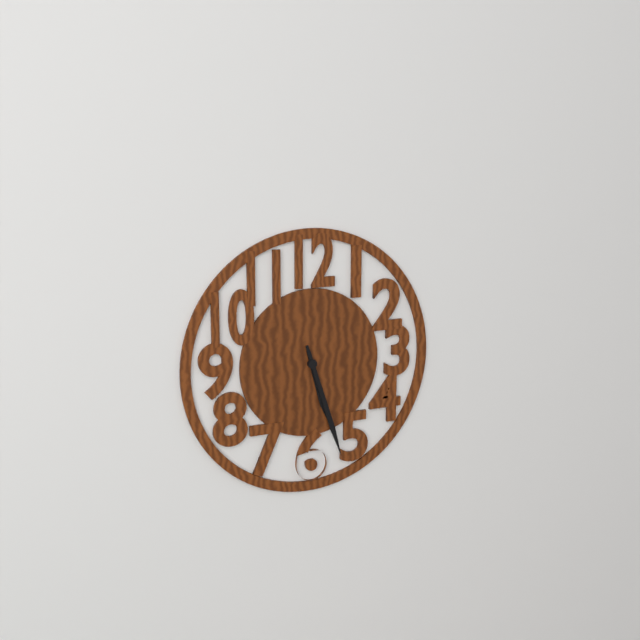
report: 5h27
